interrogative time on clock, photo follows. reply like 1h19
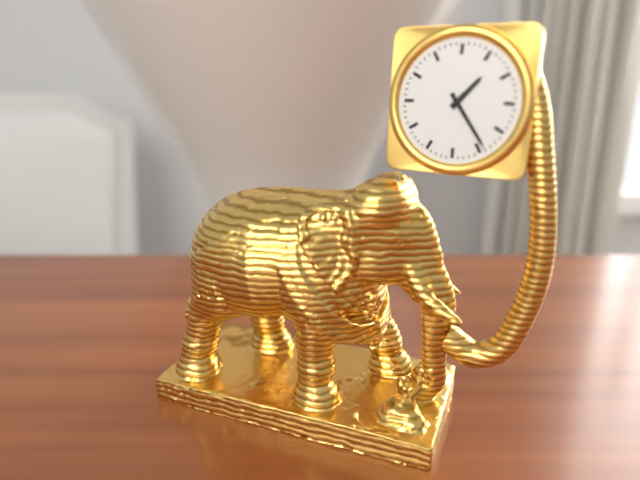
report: 1h24
